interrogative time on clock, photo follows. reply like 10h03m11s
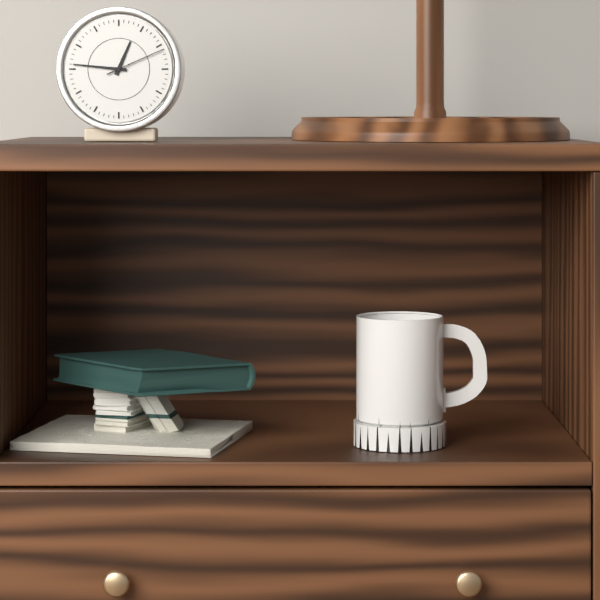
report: 12h46m11s
